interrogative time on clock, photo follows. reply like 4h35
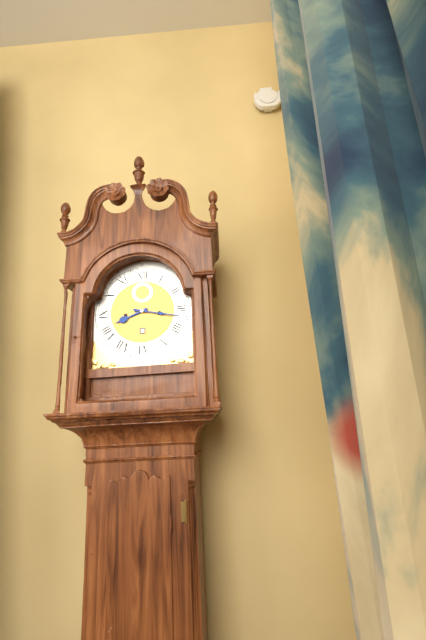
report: 8h17
